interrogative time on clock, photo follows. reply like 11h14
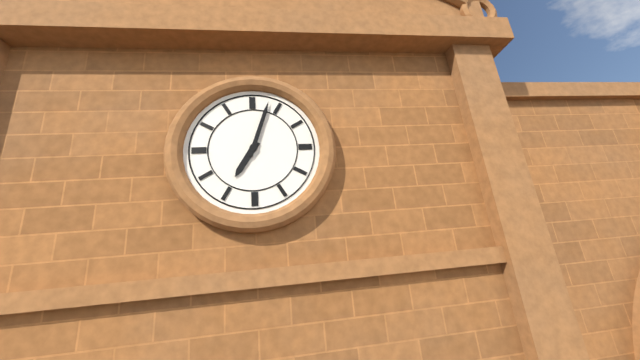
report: 7h03
